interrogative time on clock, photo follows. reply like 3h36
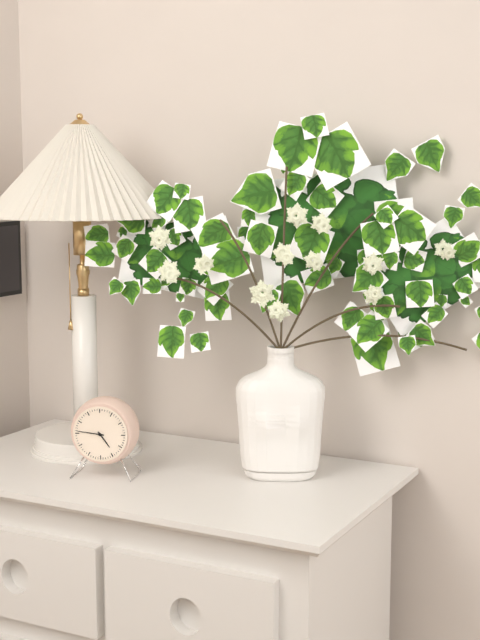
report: 4h46
